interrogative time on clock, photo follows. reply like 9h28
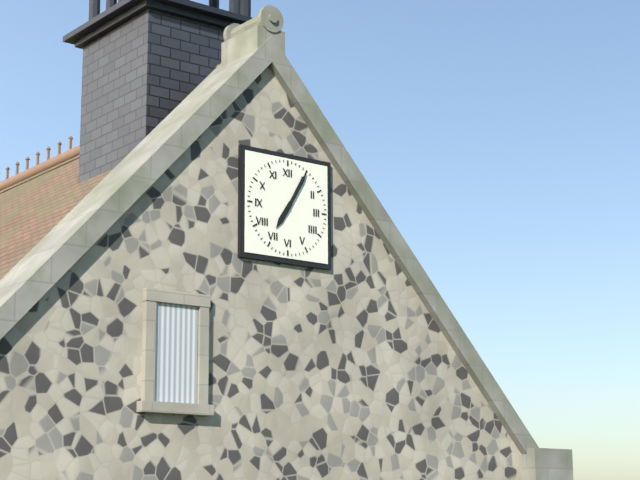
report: 7h05
